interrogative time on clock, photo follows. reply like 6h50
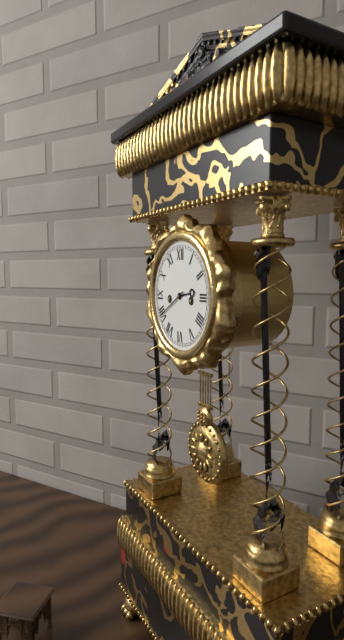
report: 2h40
